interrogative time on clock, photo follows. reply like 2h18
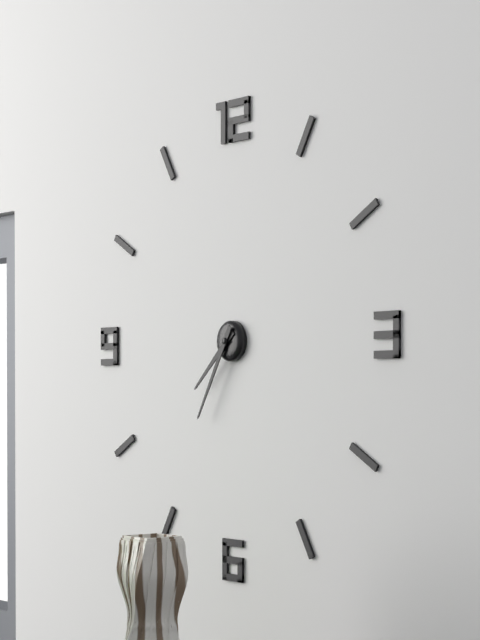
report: 7h35
